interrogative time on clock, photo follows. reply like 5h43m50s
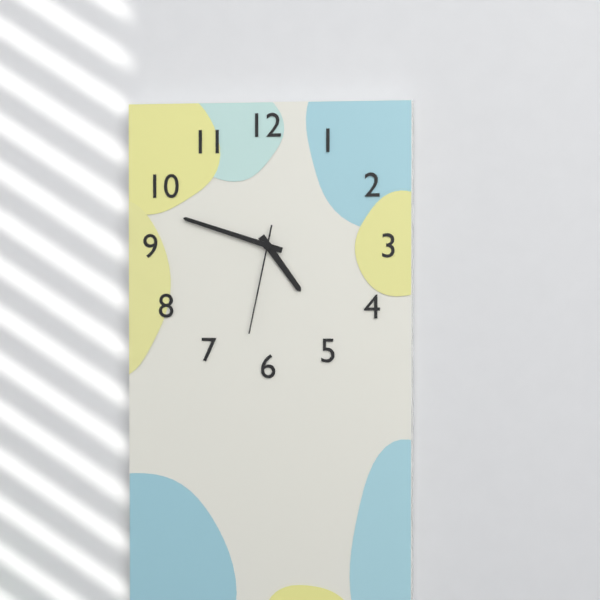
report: 4h48m32s
